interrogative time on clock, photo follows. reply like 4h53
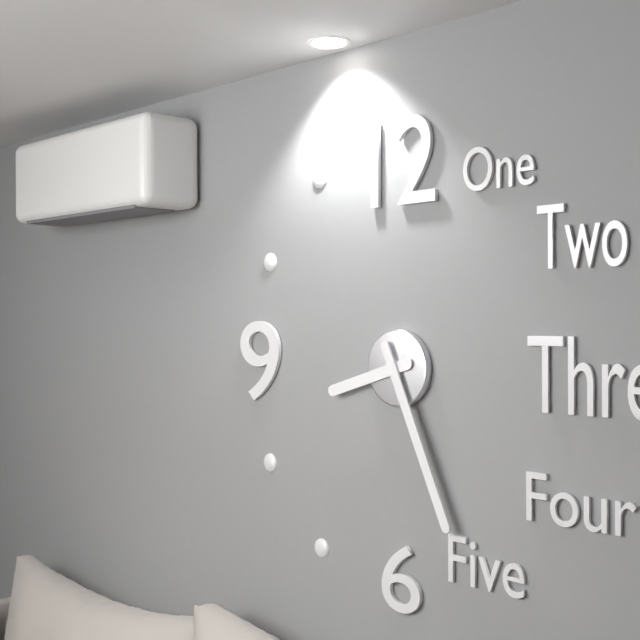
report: 8h26
